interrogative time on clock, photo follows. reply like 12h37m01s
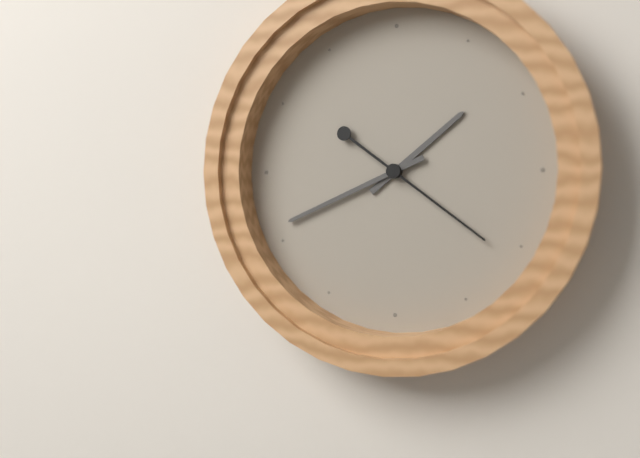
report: 1h41m21s
